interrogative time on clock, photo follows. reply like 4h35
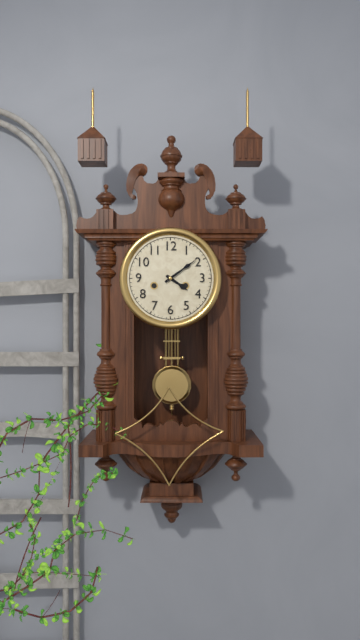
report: 4h09
